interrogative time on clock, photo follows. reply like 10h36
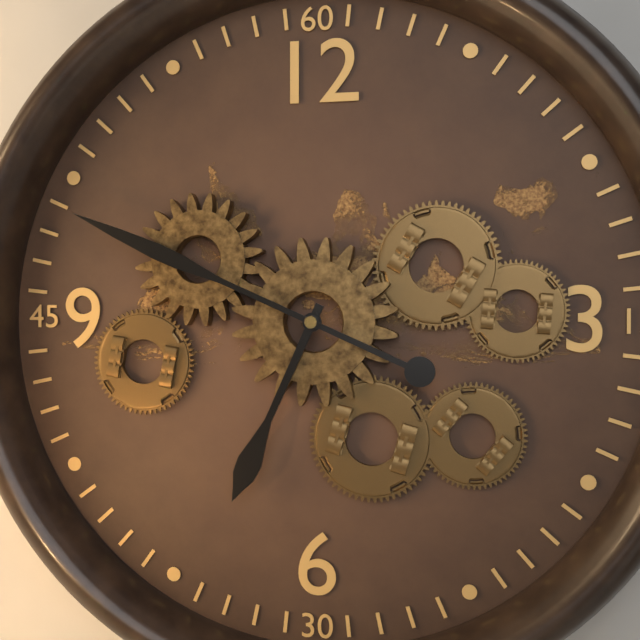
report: 6h49
